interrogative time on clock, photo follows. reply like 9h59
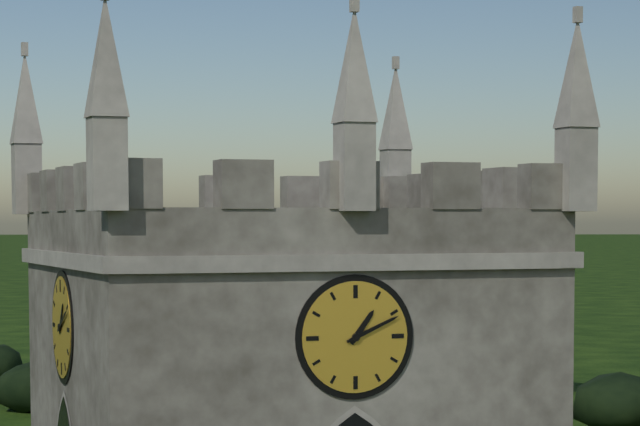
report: 1h11
